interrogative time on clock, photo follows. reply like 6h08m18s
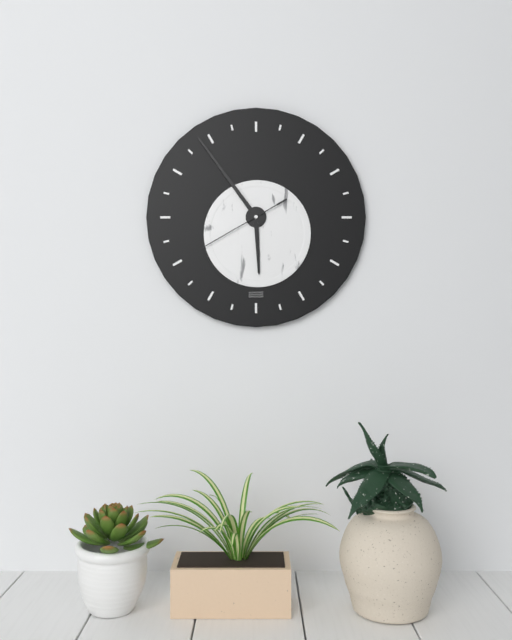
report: 5h54m40s
